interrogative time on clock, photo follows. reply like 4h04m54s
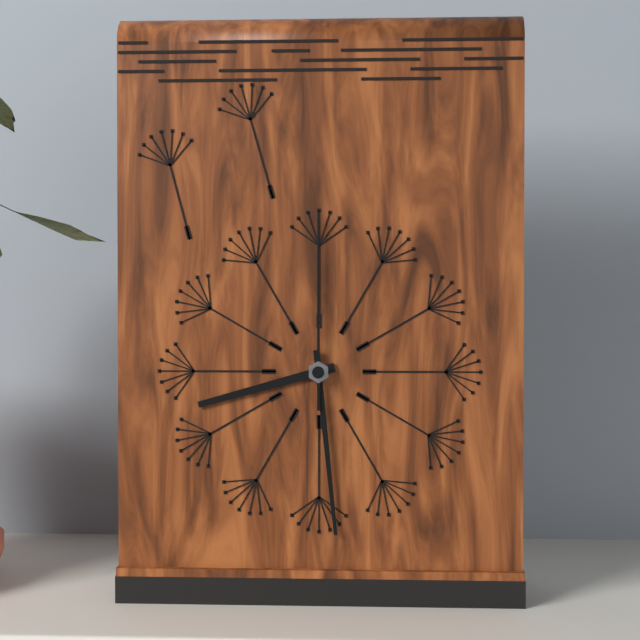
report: 8h29m00s
